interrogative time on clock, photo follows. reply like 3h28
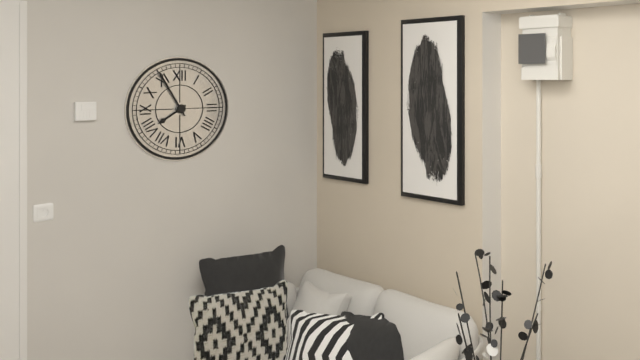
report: 7h55
